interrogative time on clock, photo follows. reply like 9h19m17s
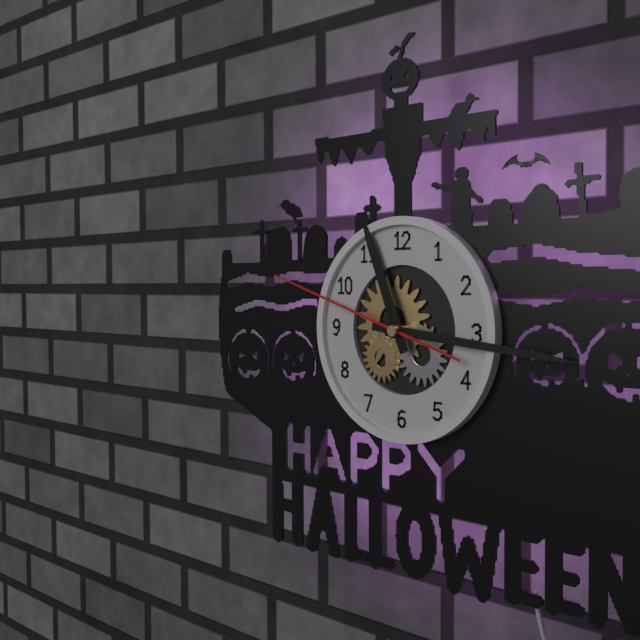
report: 11h16m48s
